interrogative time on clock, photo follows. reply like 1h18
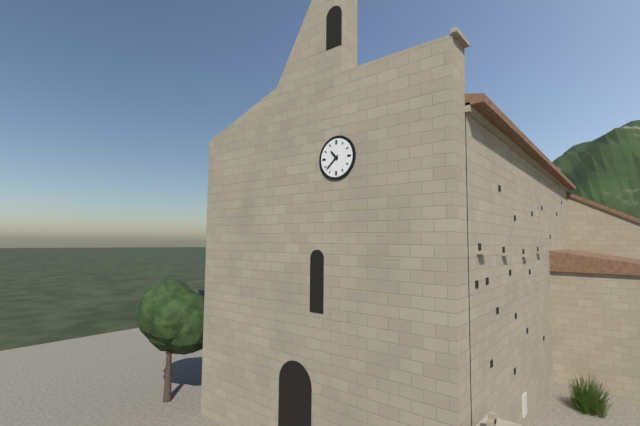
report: 10h38
